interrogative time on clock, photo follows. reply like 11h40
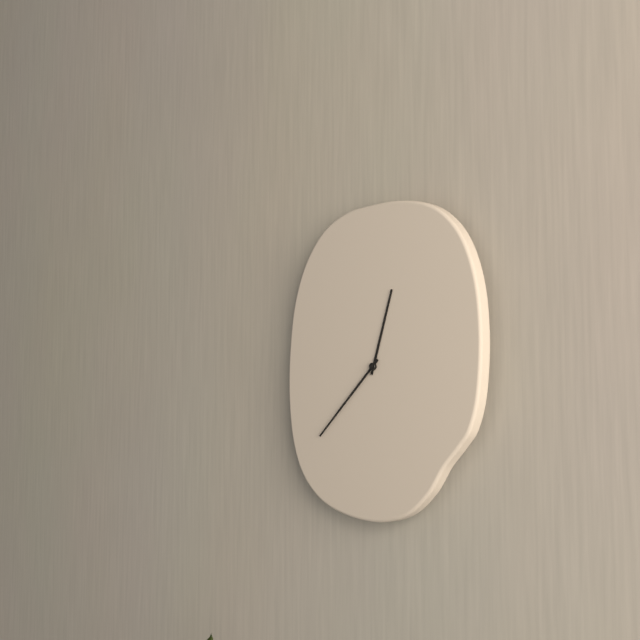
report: 12h38
